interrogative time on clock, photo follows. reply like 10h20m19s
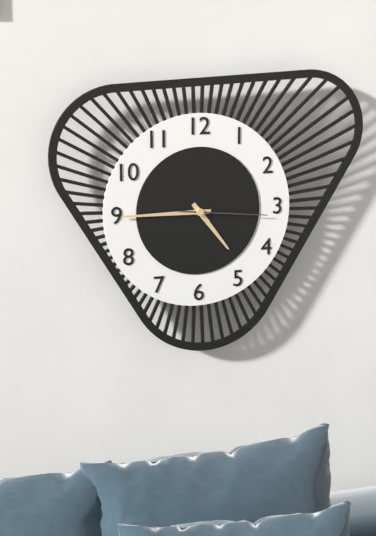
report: 4h45m16s
